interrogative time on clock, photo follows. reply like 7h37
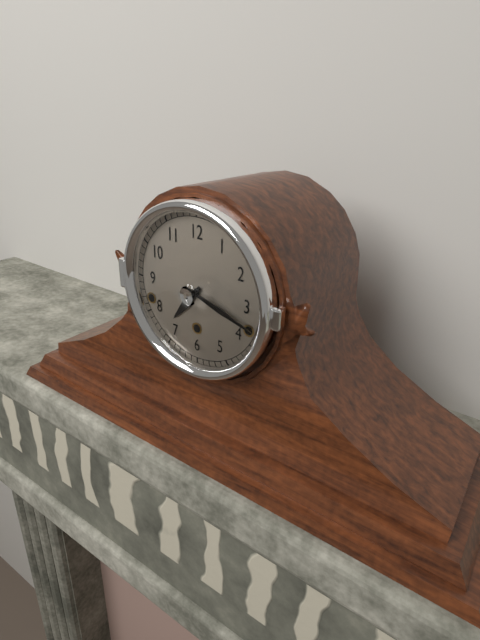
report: 7h18
